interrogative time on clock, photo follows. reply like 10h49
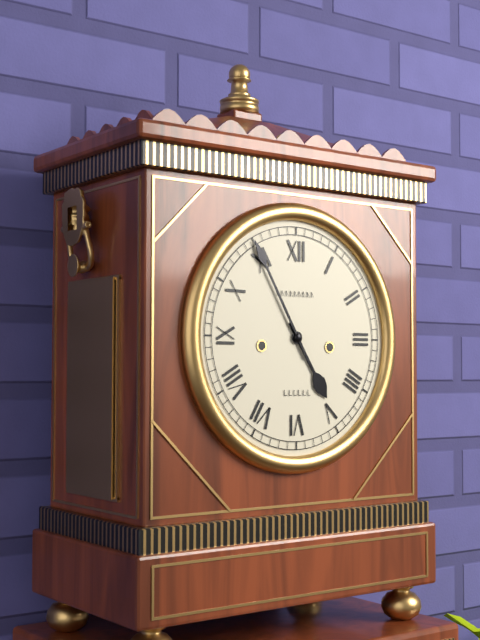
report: 4h55
